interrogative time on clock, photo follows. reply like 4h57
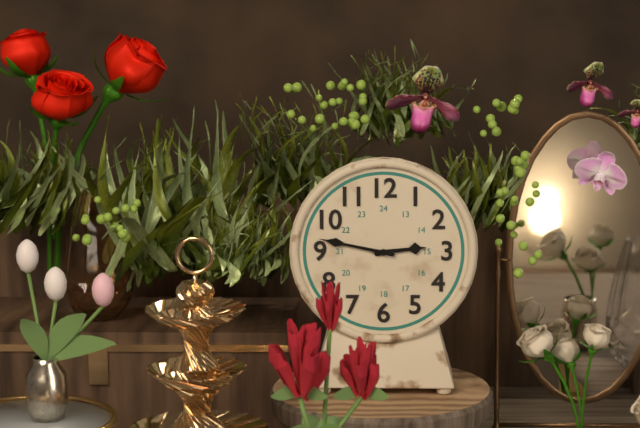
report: 2h47
